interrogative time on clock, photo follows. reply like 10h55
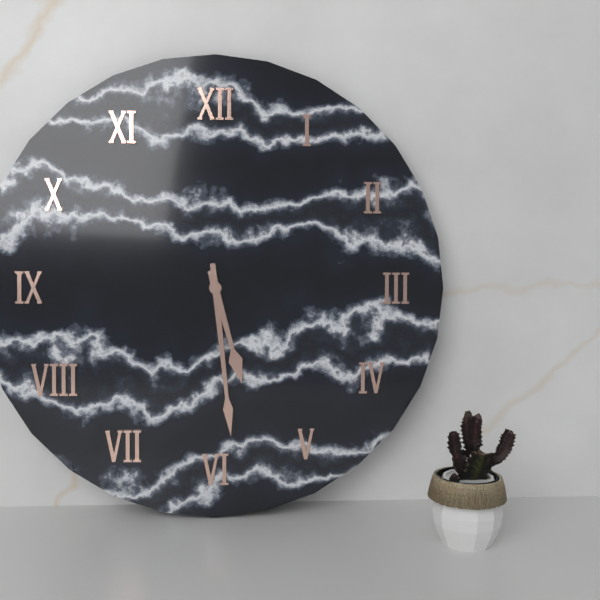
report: 5h29
